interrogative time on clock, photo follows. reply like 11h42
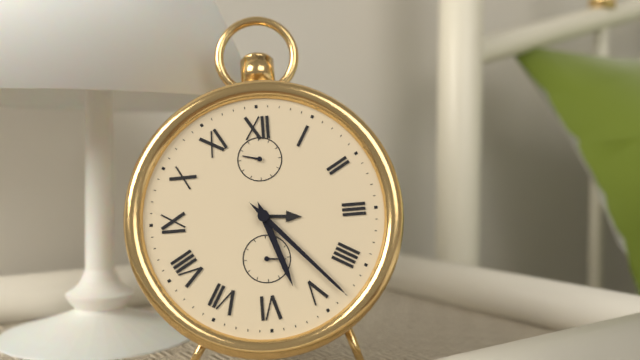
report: 5h23
